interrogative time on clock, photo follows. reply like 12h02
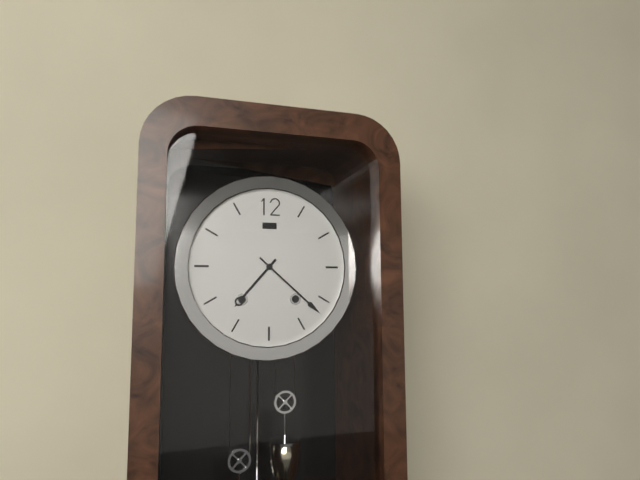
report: 7h22
